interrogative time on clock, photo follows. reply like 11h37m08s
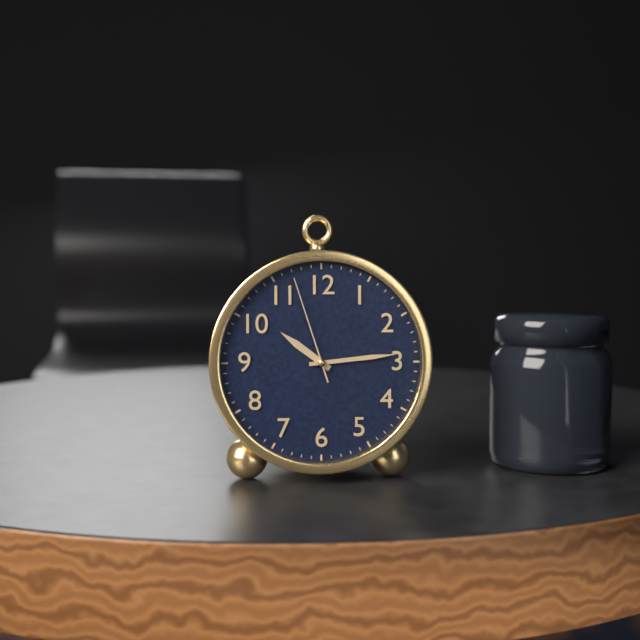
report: 10h14m57s
